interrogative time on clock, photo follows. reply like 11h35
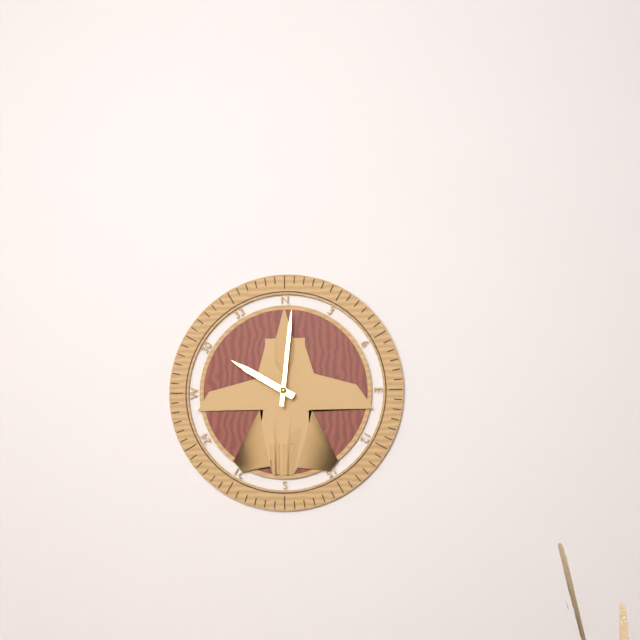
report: 10h01
